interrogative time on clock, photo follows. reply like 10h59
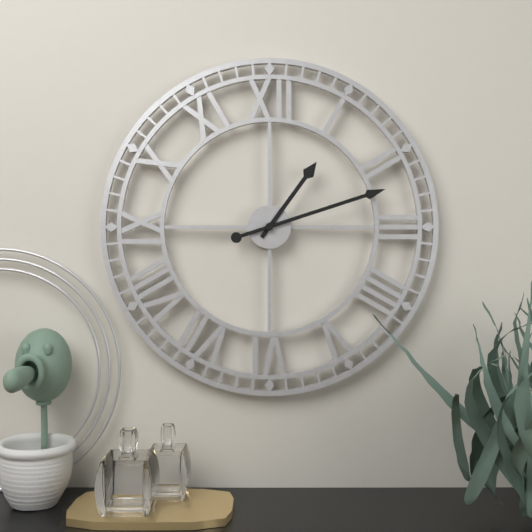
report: 1h12
